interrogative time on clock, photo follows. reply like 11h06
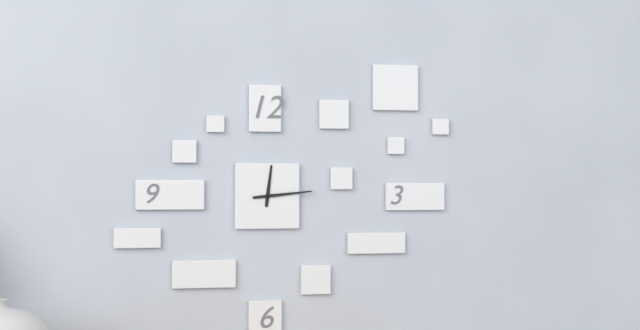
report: 12h14
